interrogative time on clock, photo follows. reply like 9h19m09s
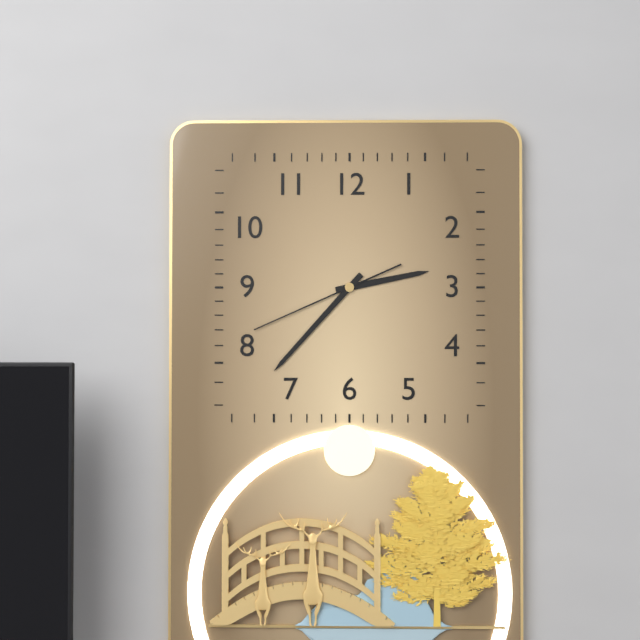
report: 2h37m41s
